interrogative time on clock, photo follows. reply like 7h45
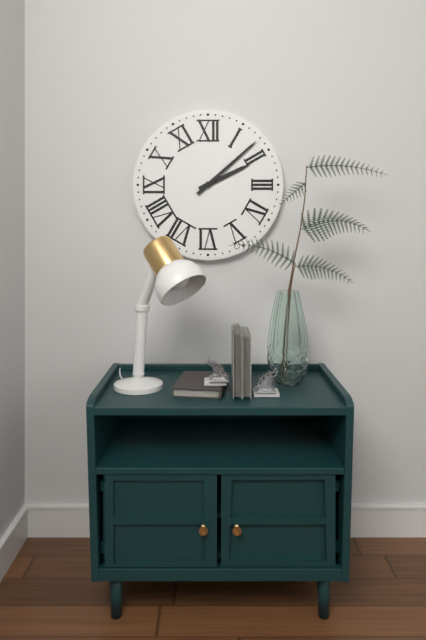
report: 2h08
